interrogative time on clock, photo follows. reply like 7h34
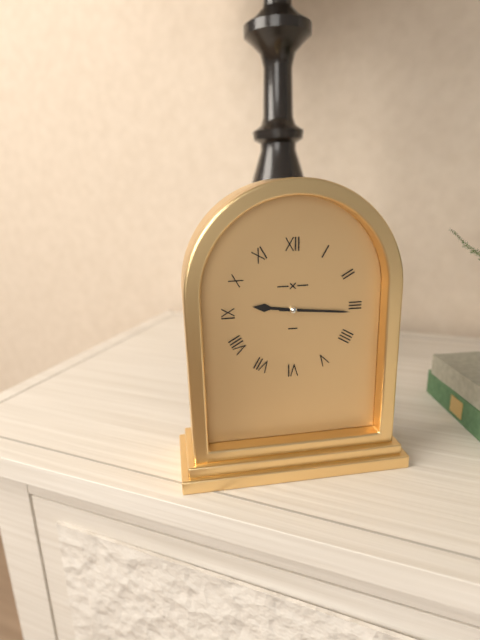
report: 9h16
